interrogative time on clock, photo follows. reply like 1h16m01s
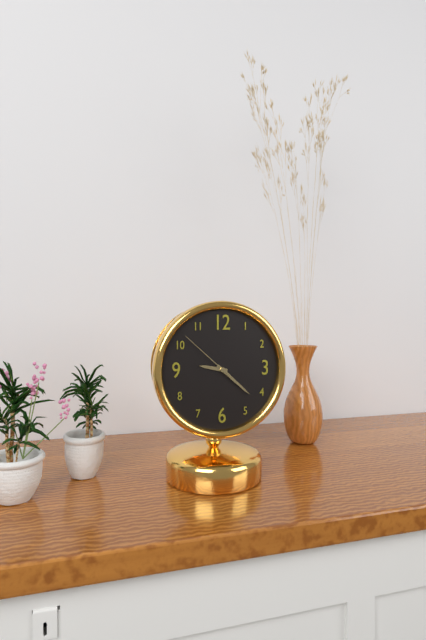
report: 9h22m52s
